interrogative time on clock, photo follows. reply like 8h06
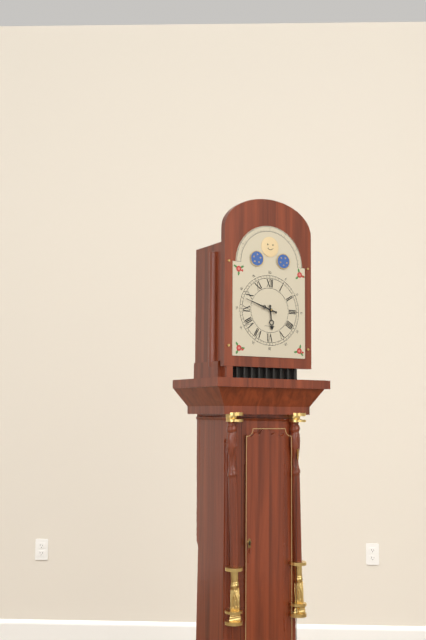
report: 5h48
